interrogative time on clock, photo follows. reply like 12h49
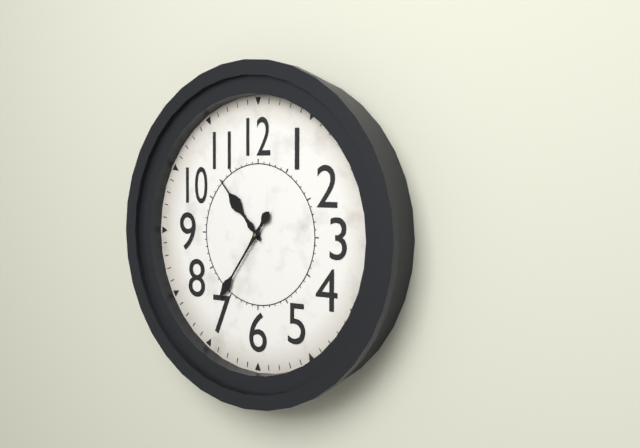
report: 10h36
